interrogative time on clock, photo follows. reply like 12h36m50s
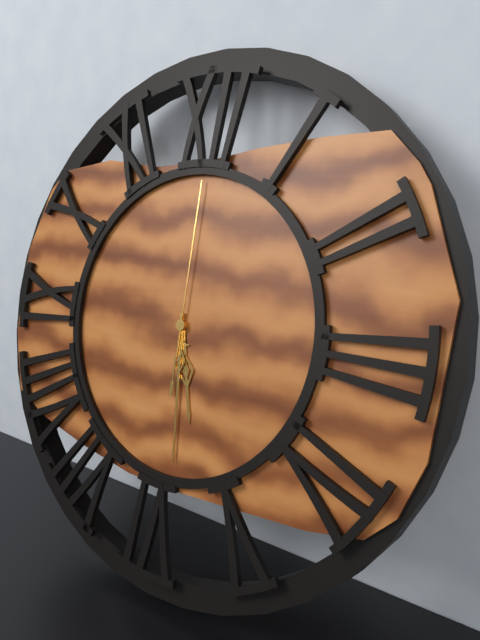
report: 5h29m00s
